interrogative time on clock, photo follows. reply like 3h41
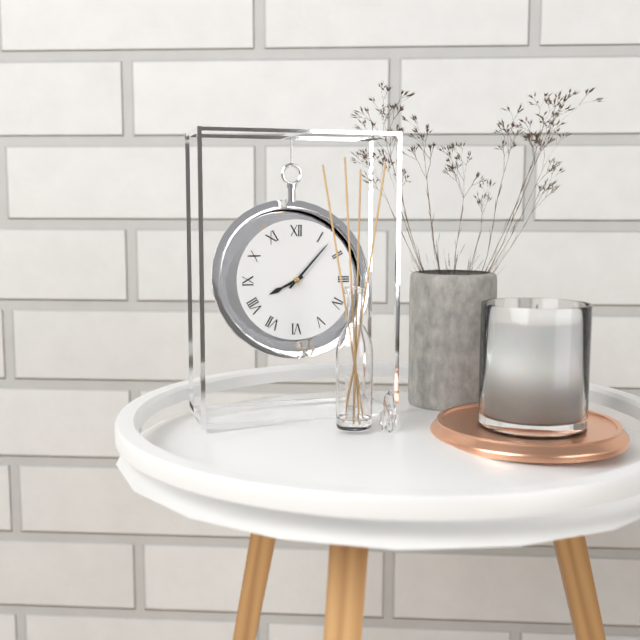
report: 8h07
